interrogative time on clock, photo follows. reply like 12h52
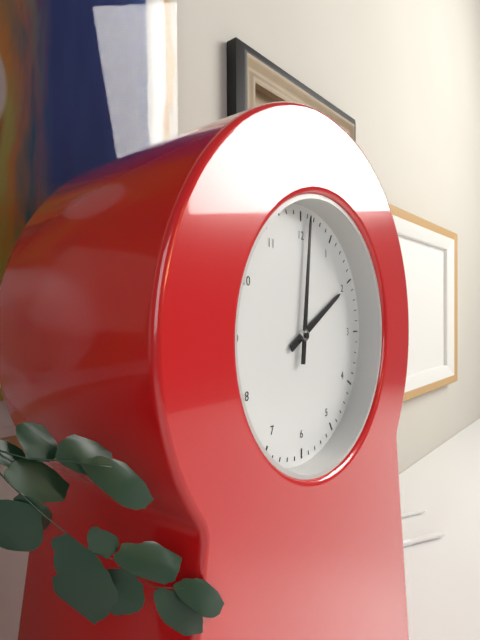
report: 2h01
